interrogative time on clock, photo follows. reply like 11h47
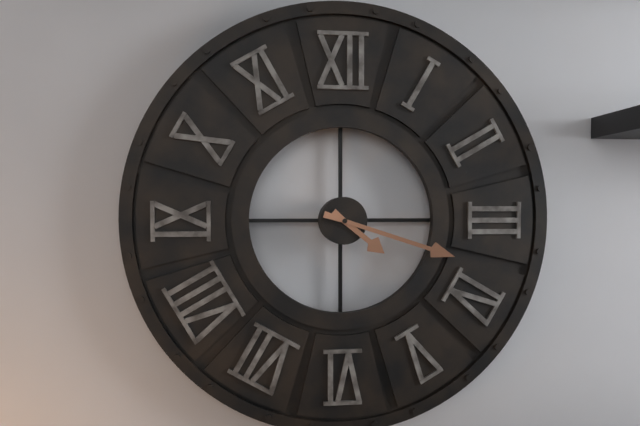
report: 4h18
